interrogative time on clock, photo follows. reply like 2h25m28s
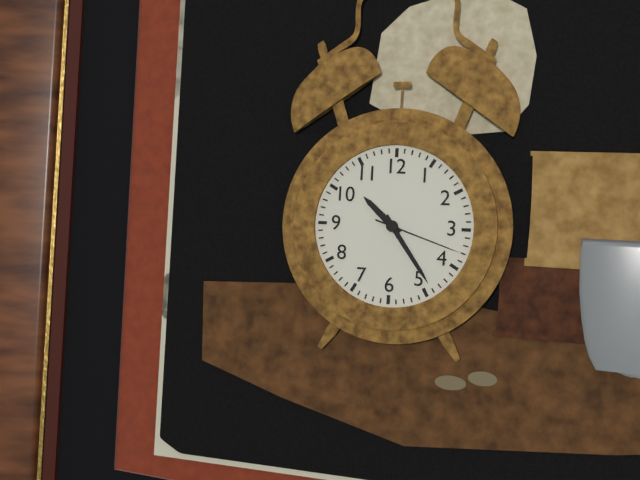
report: 10h24m18s
